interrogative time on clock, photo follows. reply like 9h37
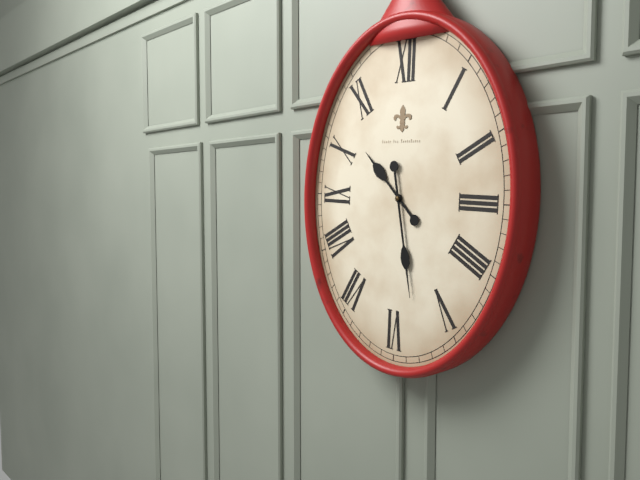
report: 10h28
